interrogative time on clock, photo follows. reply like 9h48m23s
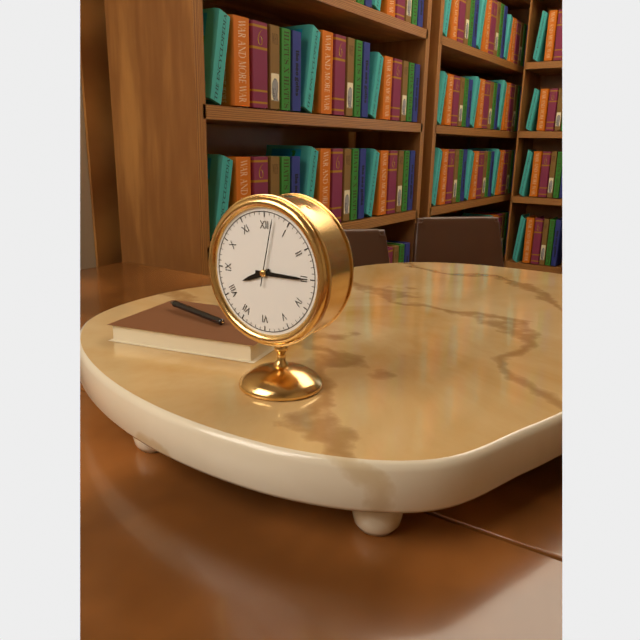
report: 8h15m02s
